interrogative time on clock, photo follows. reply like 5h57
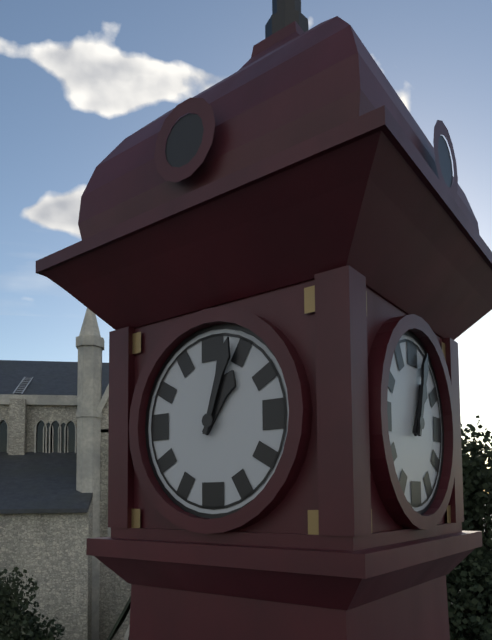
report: 1h03
